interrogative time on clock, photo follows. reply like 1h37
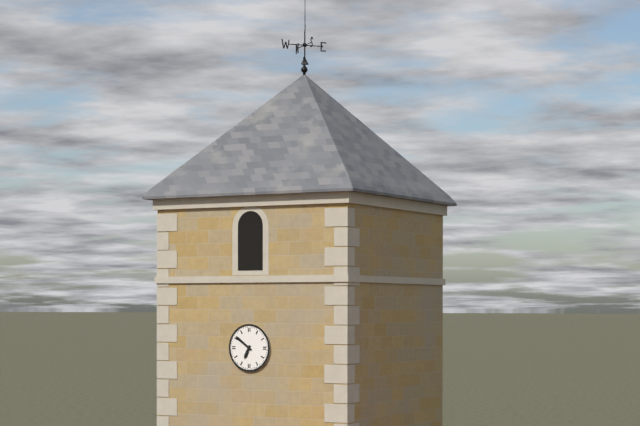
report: 6h51
